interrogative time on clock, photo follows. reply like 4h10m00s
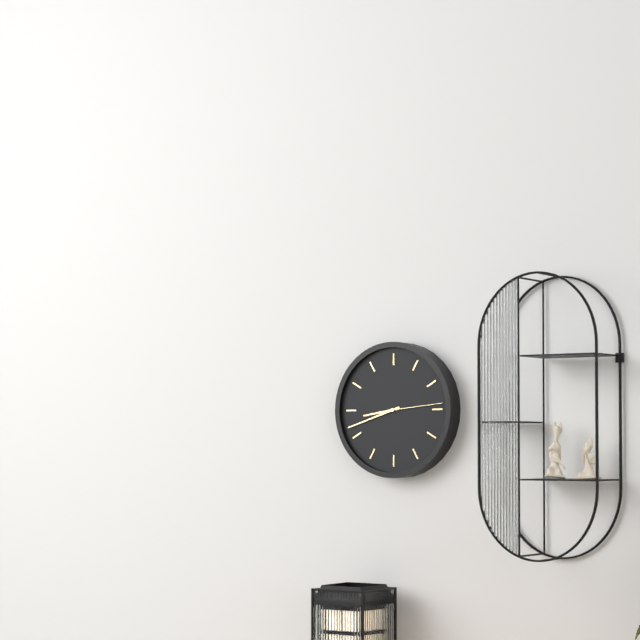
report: 8h42m14s
